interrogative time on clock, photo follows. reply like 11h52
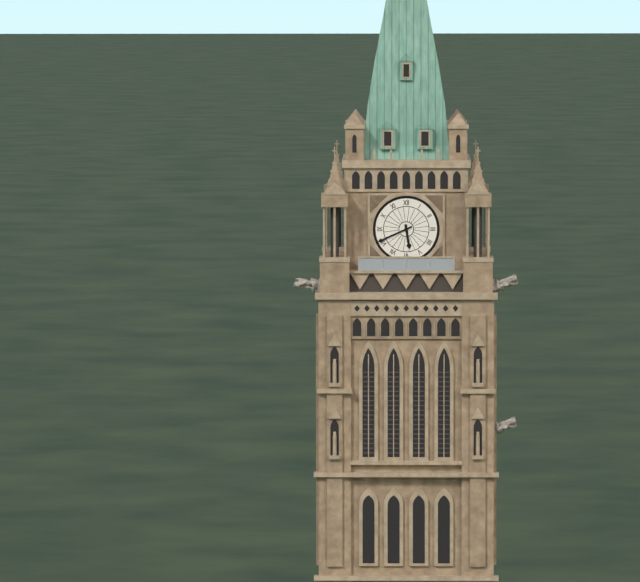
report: 5h41
